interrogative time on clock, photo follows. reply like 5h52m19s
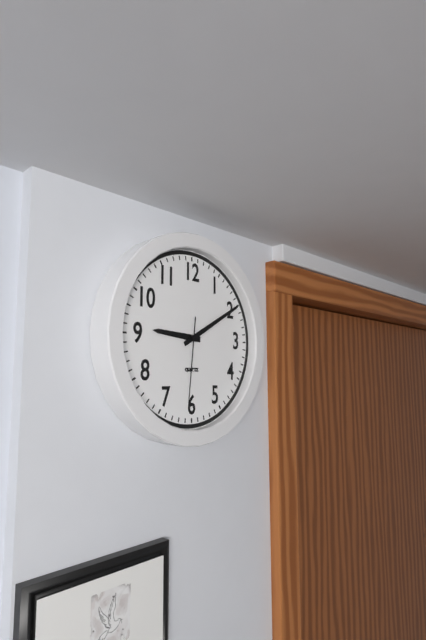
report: 9h10m31s
